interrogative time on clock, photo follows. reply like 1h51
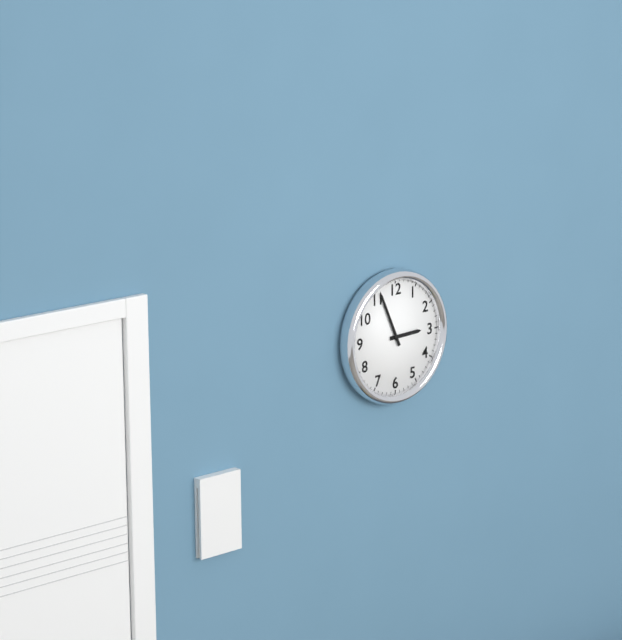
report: 2h56
